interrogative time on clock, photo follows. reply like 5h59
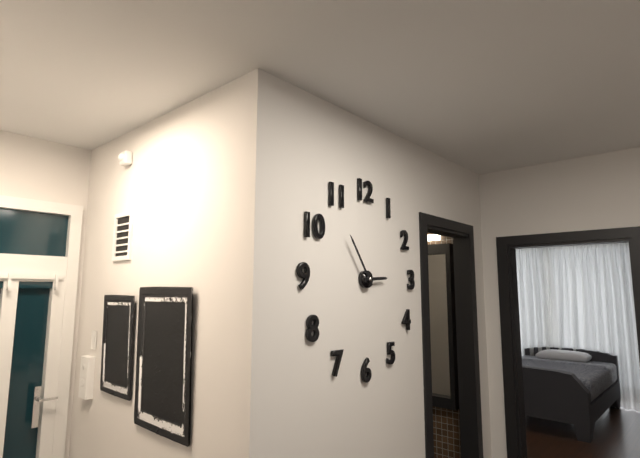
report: 2h54
